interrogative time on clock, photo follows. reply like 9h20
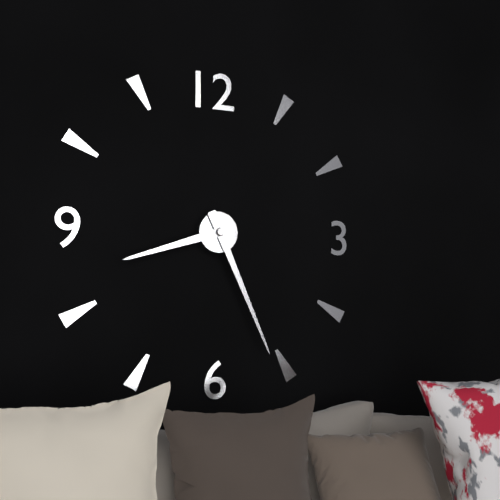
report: 8h26
